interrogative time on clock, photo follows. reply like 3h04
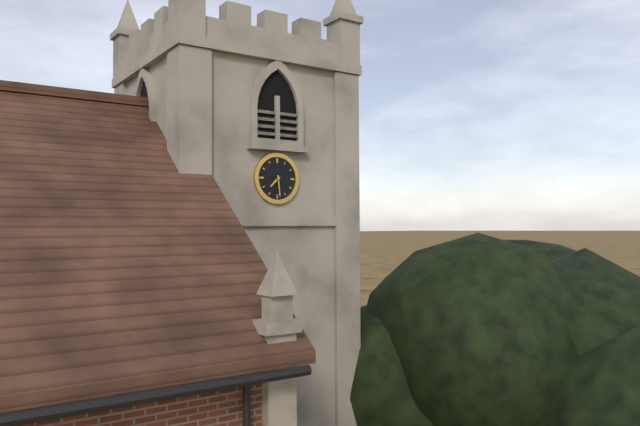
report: 7h29
